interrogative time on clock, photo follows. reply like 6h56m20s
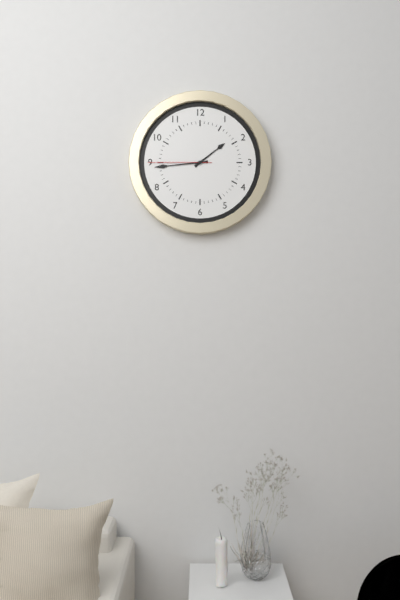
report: 1h44m45s
